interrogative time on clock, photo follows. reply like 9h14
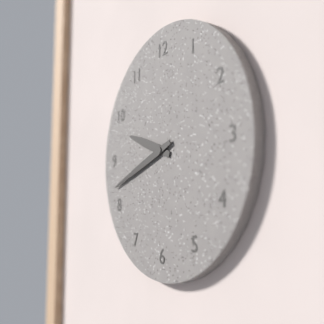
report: 9h42
